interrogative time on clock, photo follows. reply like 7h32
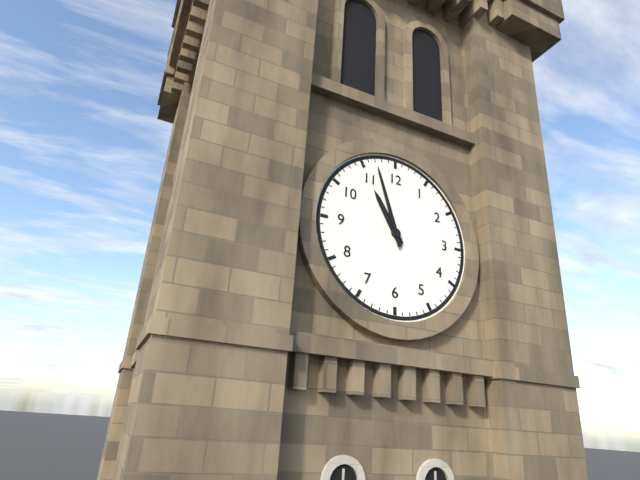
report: 10h57
